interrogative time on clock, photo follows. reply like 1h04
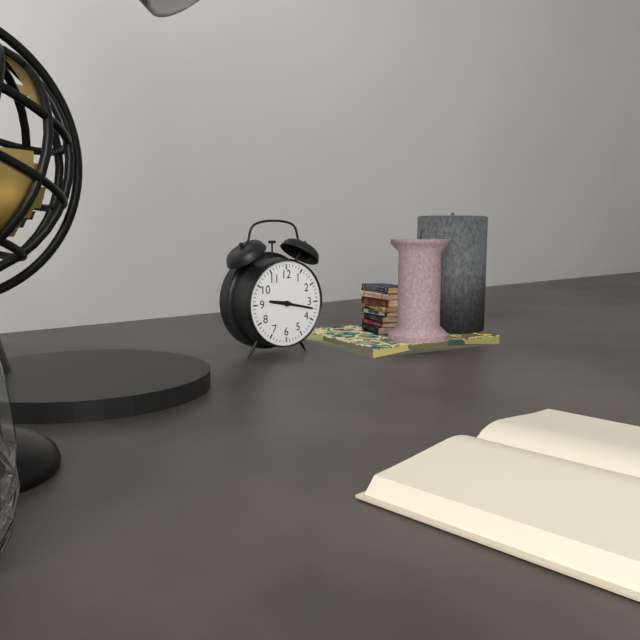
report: 9h17
